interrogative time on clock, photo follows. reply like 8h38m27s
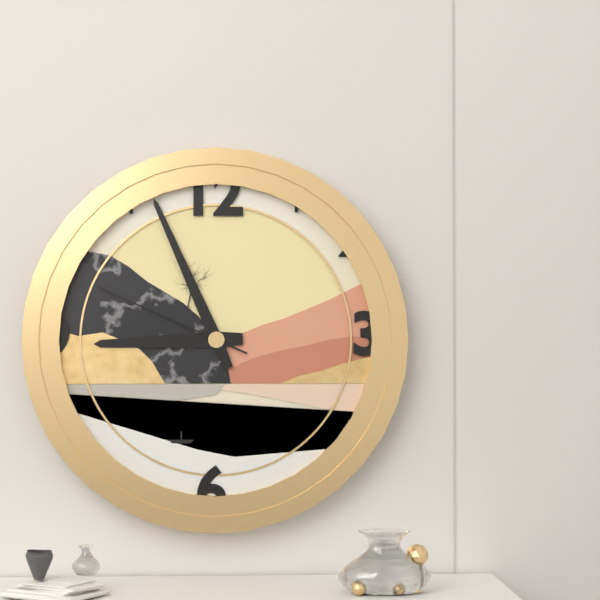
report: 8h56m49s
